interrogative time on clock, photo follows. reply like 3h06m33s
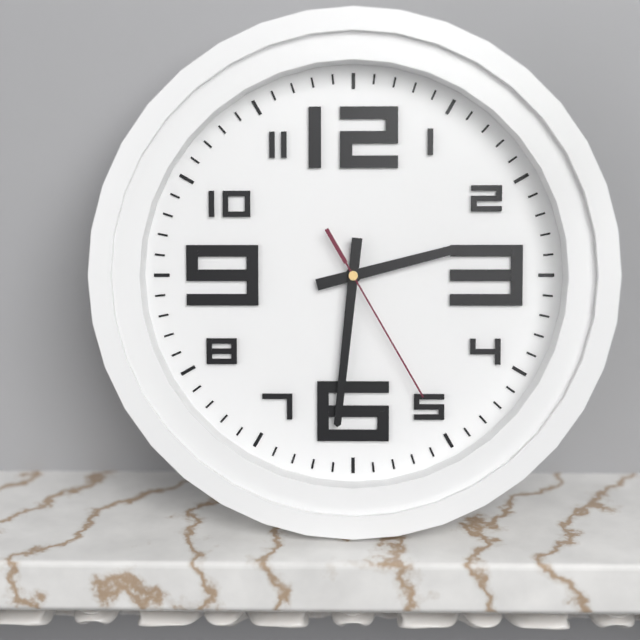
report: 2h31m25s
